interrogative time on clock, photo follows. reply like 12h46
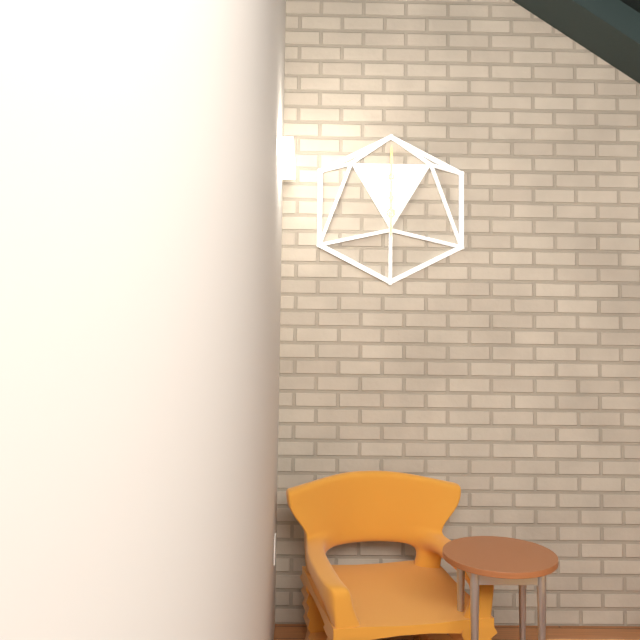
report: 6h00
